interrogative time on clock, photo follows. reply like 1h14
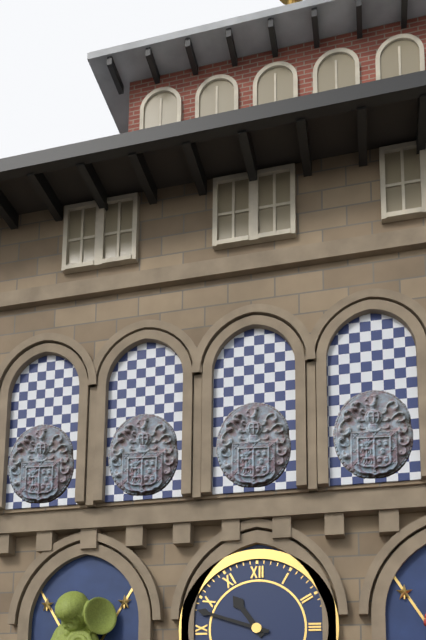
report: 10h48
